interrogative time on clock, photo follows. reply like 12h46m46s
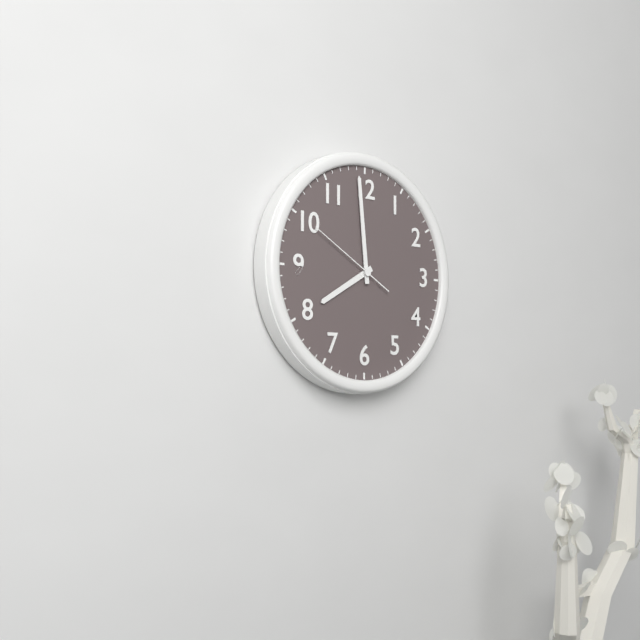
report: 7h59m50s
